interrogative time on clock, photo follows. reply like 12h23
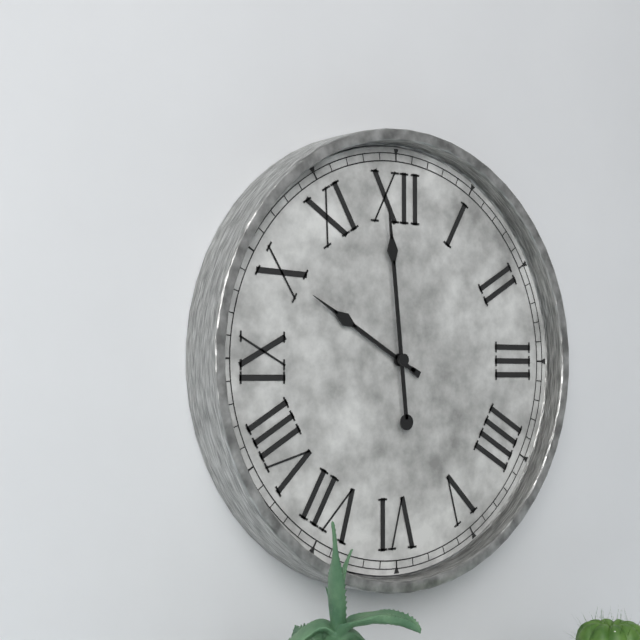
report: 9h59
